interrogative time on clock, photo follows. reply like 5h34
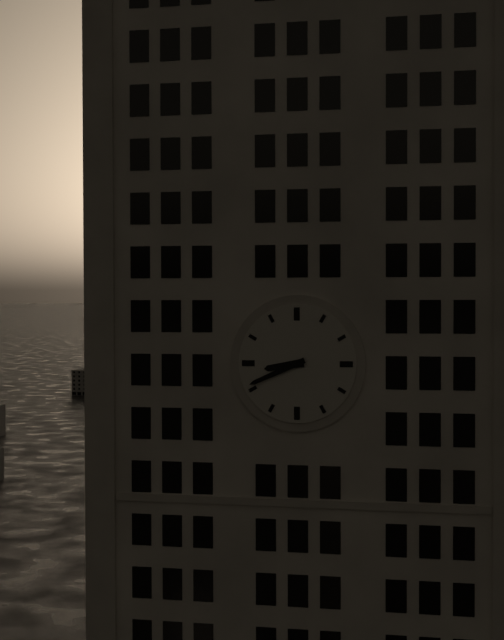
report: 8h41
